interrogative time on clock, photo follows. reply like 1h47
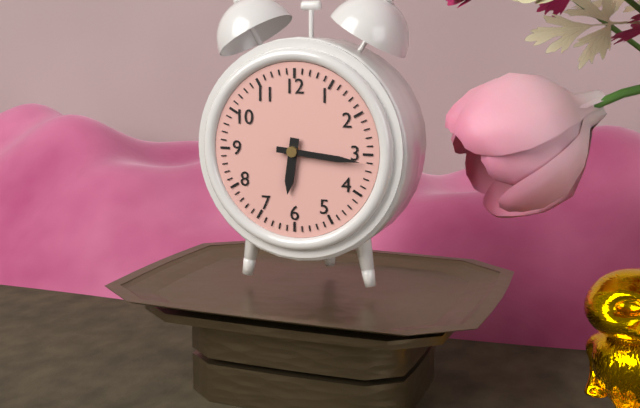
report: 6h16
